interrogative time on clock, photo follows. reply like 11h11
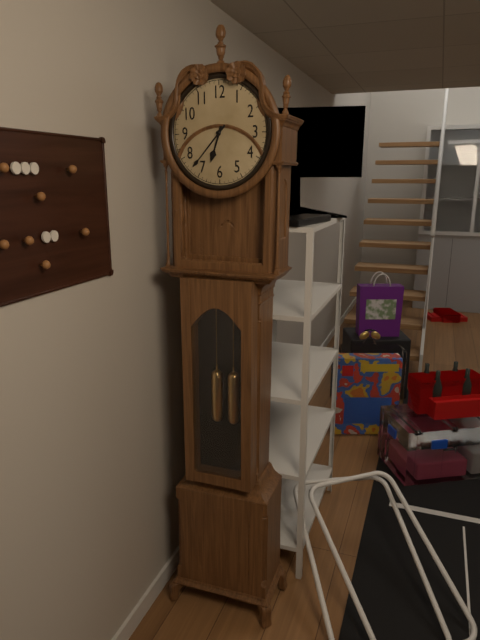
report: 6h37
